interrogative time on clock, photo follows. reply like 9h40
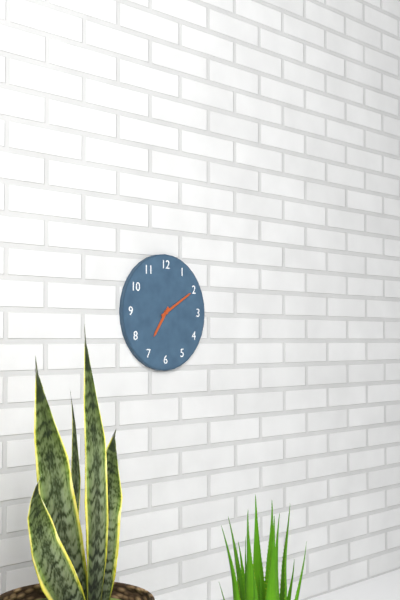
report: 7h10
